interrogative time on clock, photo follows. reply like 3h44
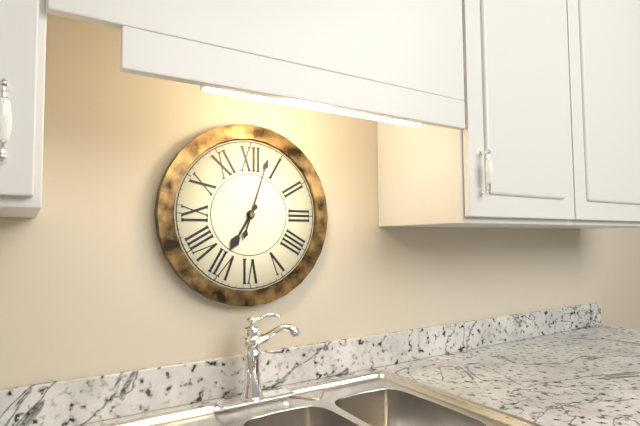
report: 7h03
